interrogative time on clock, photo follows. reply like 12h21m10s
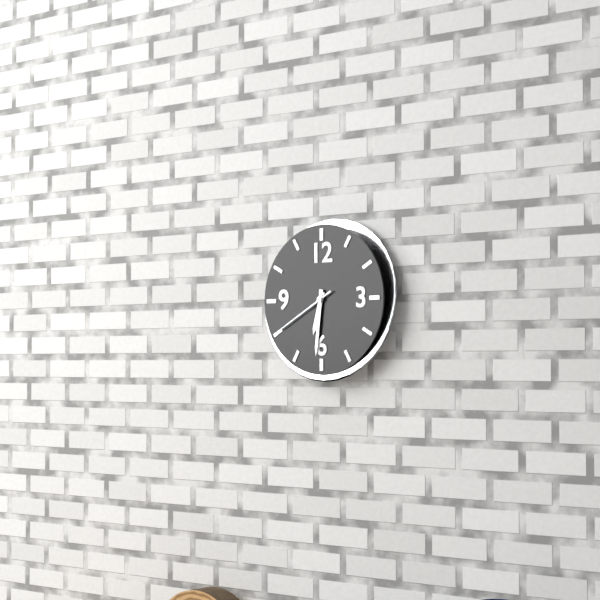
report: 6h31m40s
